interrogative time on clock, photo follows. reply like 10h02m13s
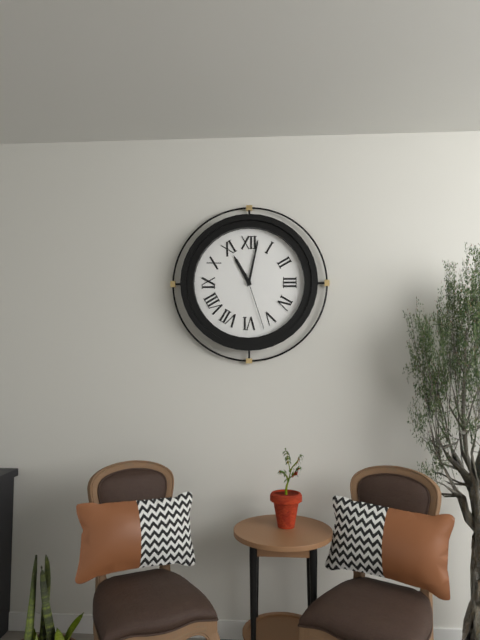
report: 11h02m27s
